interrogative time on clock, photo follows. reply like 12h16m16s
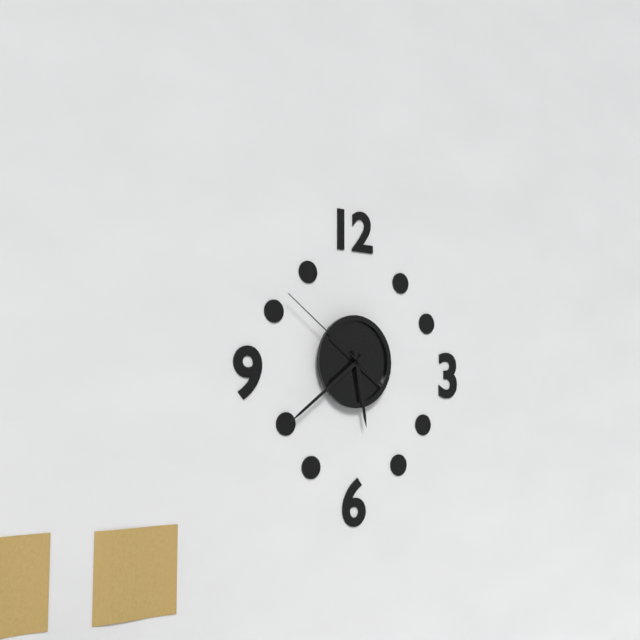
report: 5h39m51s
